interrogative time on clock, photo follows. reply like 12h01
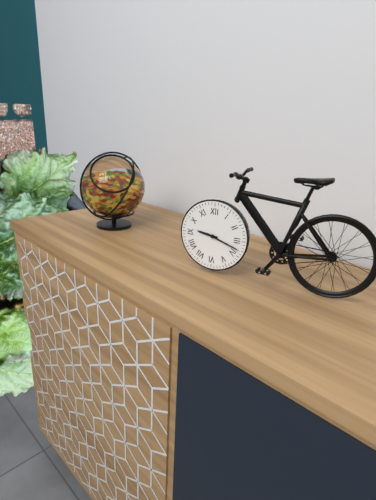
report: 9h18
